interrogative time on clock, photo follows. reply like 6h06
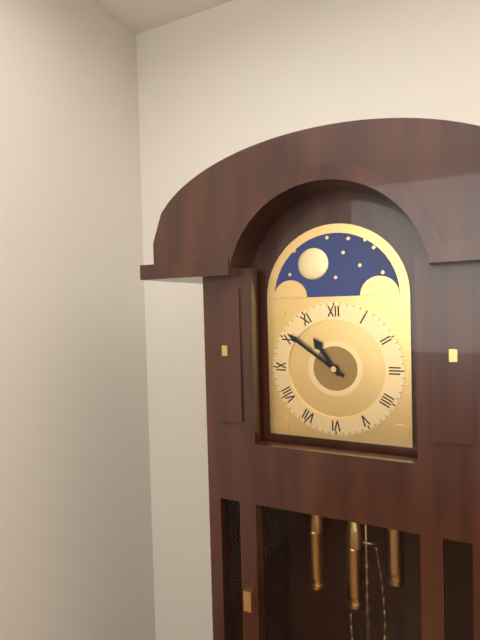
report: 10h51
